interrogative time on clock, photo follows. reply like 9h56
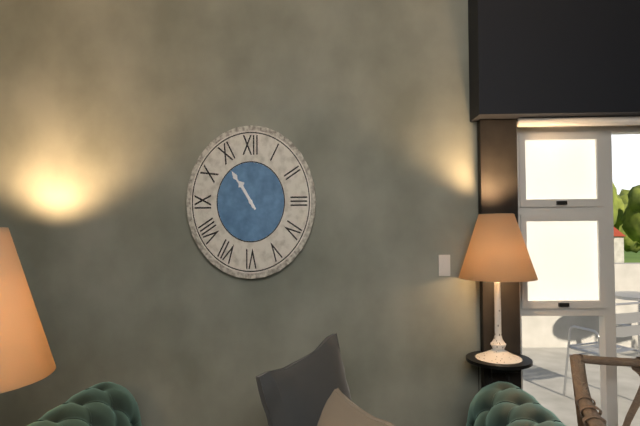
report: 10h54
